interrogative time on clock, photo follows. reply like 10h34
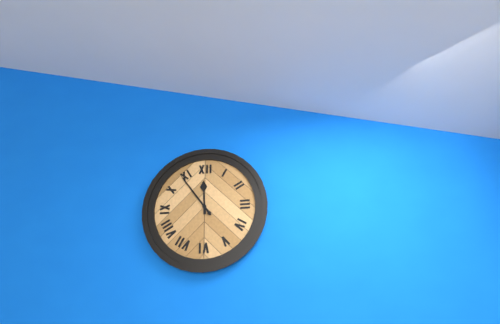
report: 11h54
